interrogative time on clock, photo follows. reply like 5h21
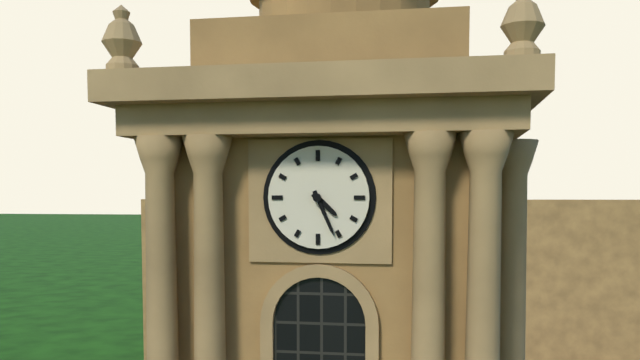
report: 4h26
